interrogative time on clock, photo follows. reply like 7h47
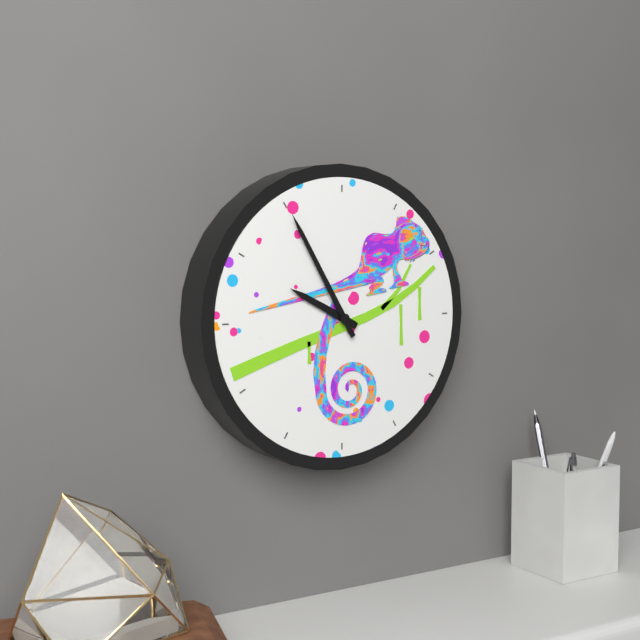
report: 9h55
